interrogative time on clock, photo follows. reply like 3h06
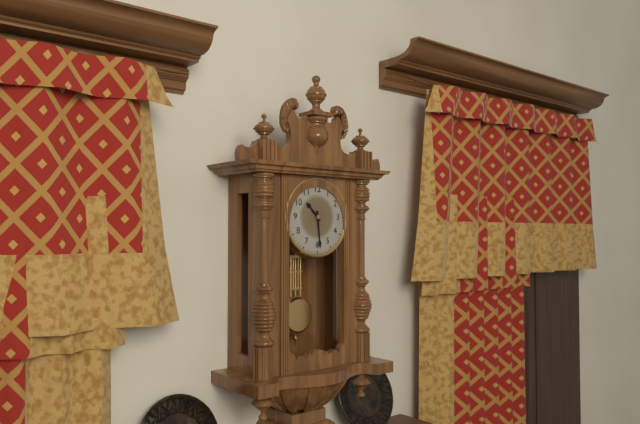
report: 10h29
